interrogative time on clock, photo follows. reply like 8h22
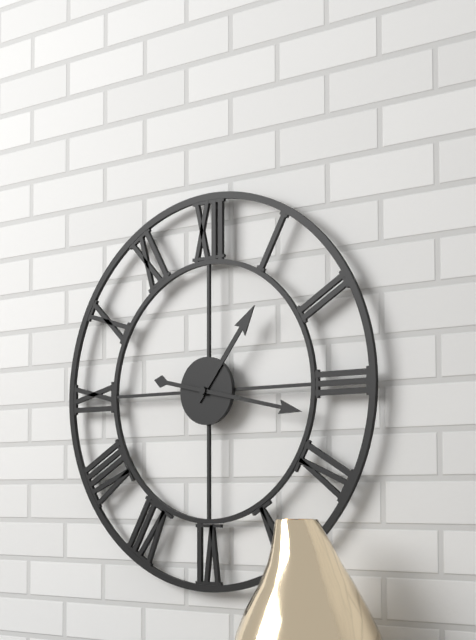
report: 1h17
